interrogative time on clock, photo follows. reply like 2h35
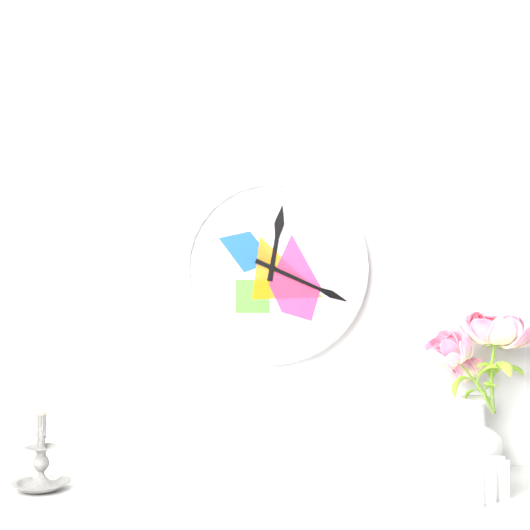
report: 12h19
